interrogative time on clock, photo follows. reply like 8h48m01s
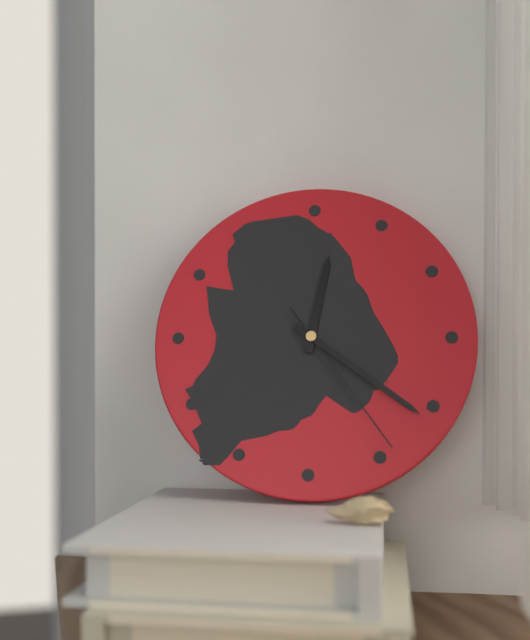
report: 12h21m24s
